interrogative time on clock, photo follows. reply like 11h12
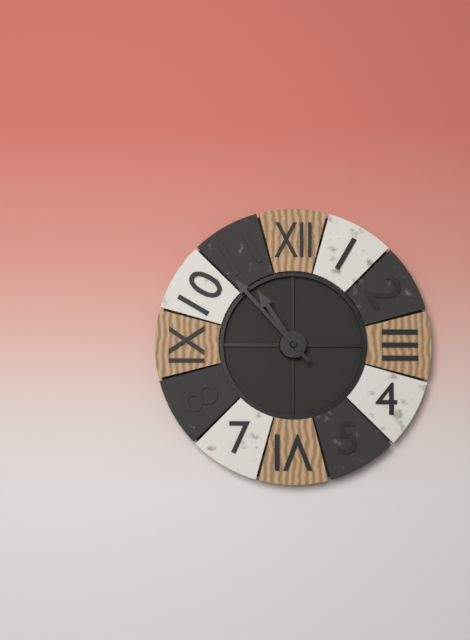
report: 10h53
